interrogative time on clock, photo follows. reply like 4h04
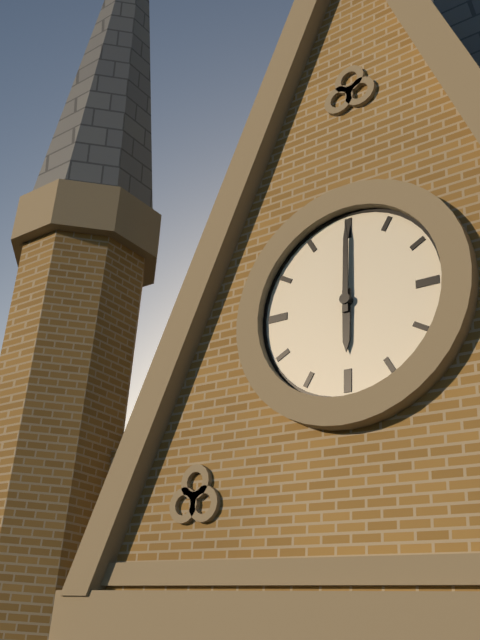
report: 6h00
